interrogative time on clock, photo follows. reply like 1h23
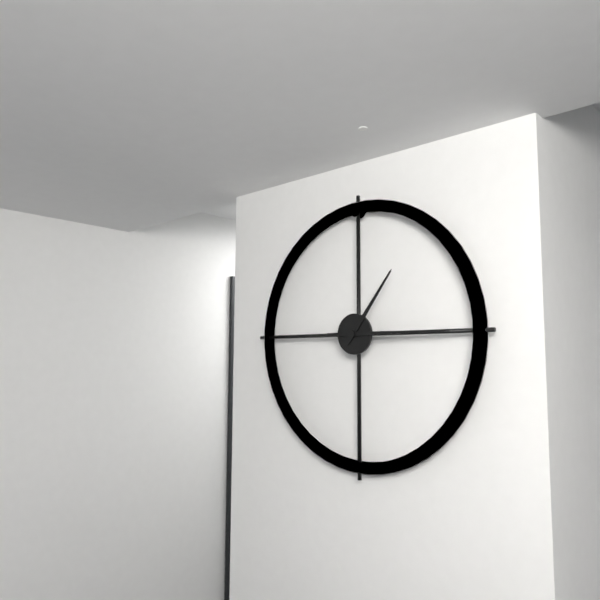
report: 1h15
